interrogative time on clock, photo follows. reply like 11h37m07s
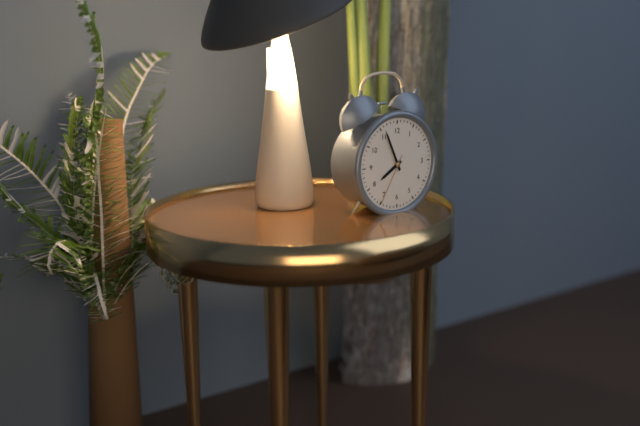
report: 7h56m35s
